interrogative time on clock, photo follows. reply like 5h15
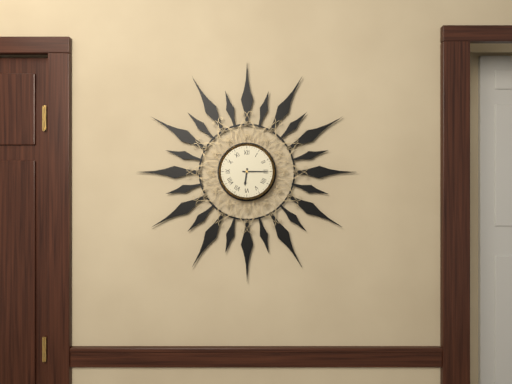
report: 6h15
